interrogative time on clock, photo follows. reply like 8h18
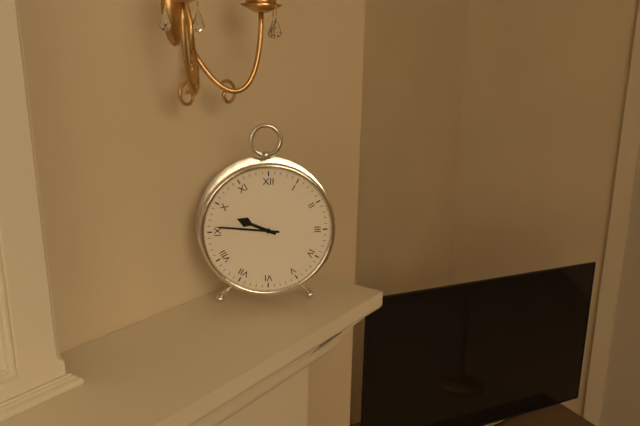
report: 9h46
